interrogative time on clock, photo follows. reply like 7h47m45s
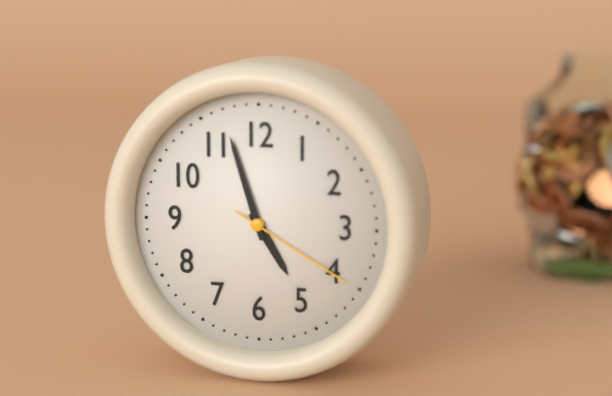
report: 4h57m20s
